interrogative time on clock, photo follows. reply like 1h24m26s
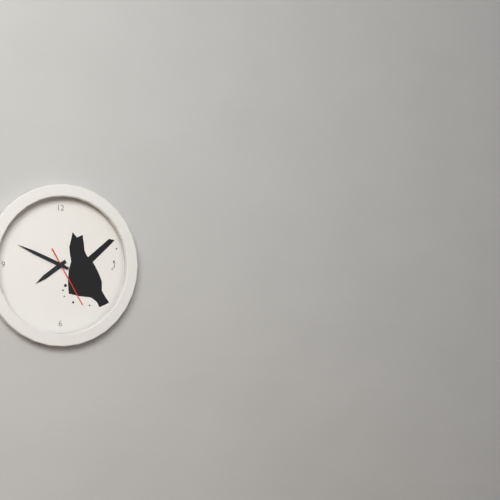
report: 7h49m25s
